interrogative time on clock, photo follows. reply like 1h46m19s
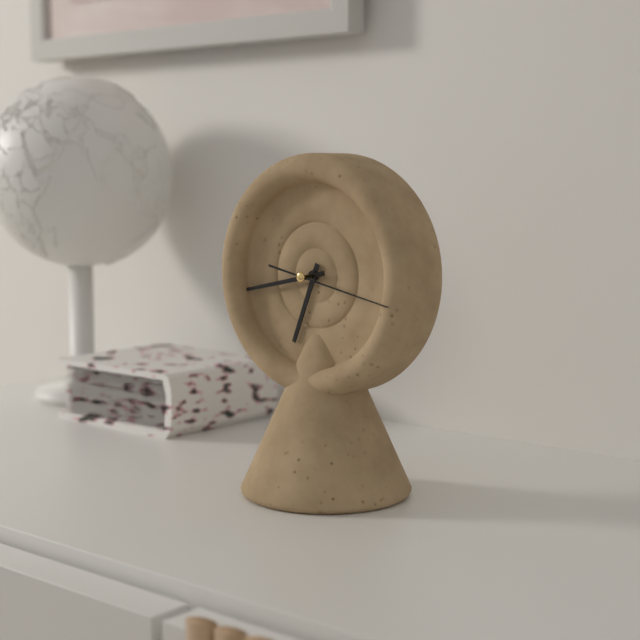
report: 6h43m17s
